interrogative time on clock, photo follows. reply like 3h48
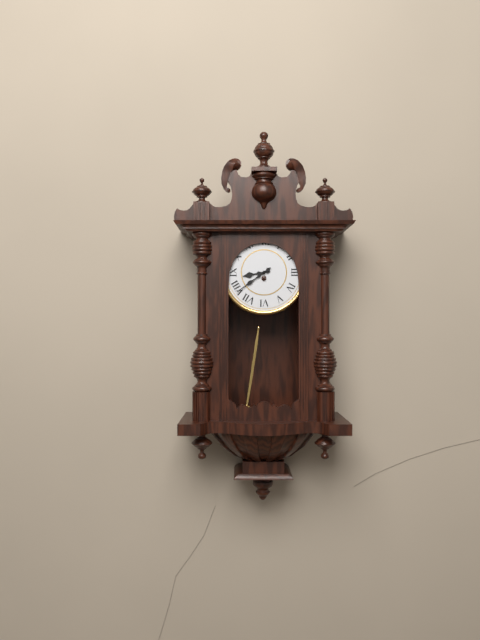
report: 8h39
